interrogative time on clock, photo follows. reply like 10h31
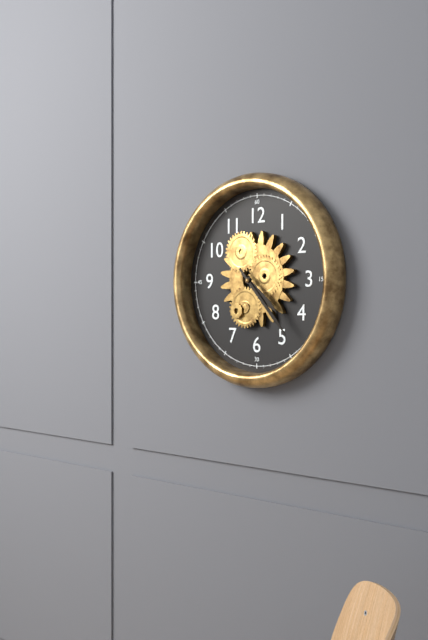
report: 4h23
